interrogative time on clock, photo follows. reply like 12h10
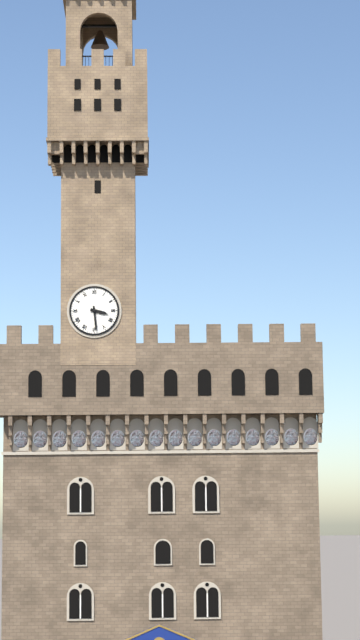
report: 3h29
